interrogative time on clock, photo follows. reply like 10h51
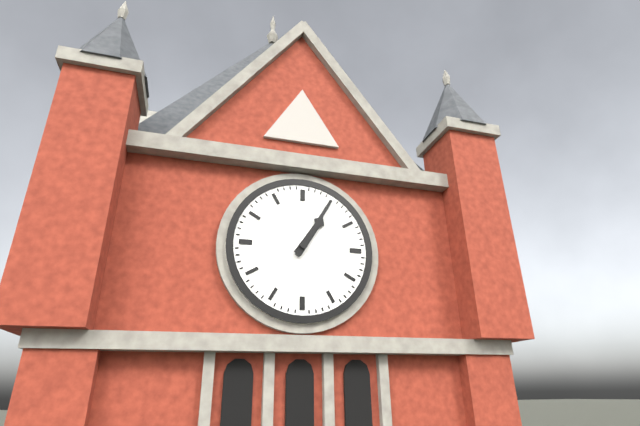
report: 1h05
